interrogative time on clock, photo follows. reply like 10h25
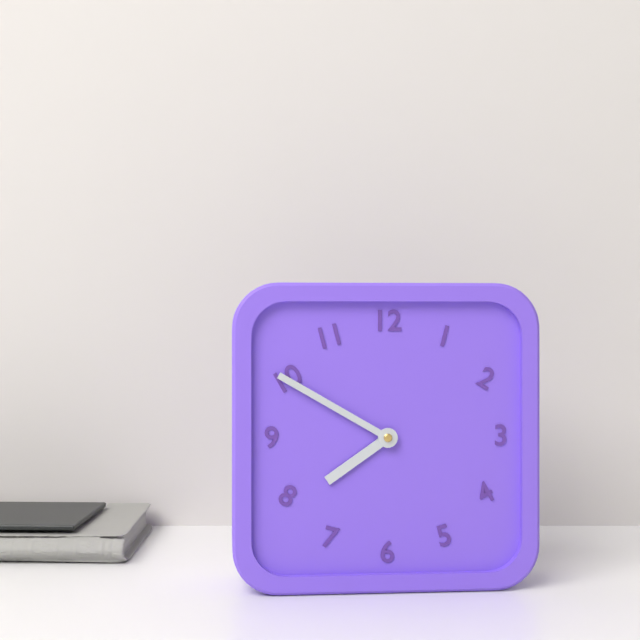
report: 7h50
